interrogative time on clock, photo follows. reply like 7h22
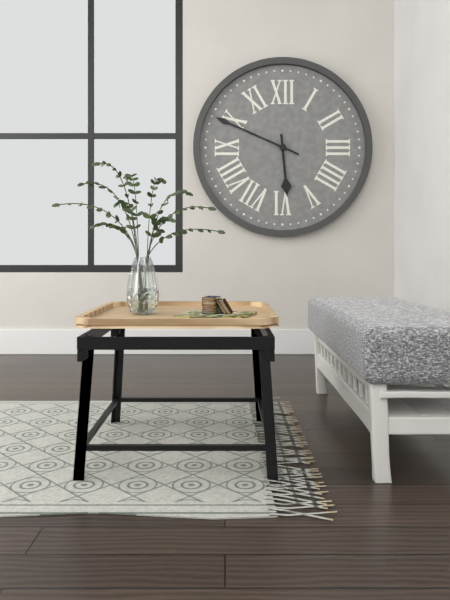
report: 5h49
